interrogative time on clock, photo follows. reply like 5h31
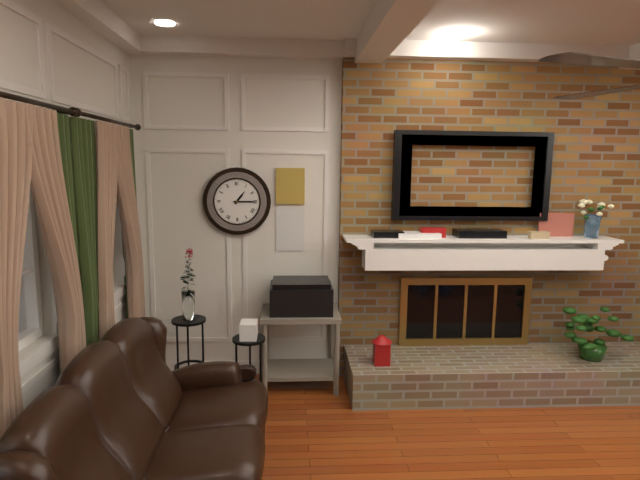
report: 1h15
